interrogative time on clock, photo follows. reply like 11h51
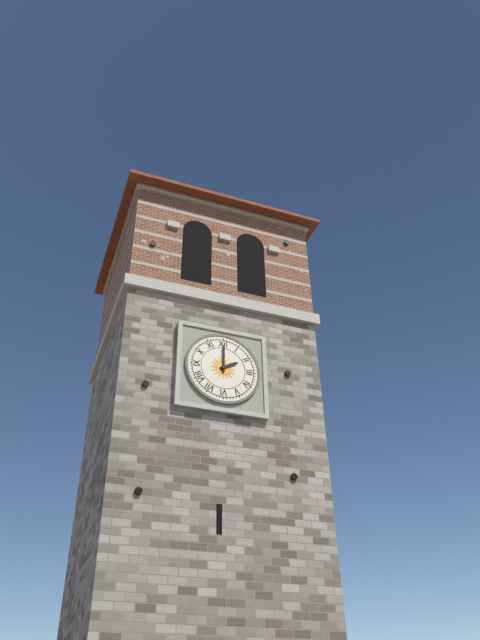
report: 2h00
